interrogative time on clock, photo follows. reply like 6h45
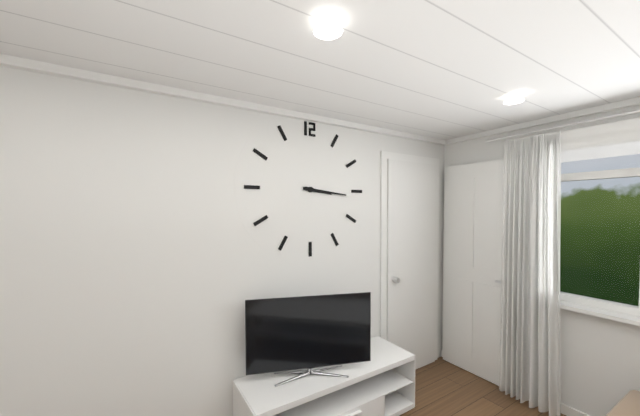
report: 3h16
